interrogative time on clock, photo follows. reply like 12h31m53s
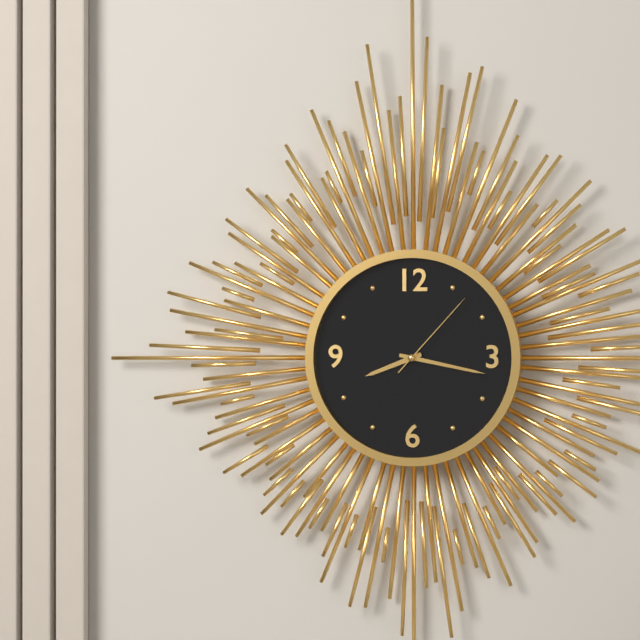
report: 8h17m07s
